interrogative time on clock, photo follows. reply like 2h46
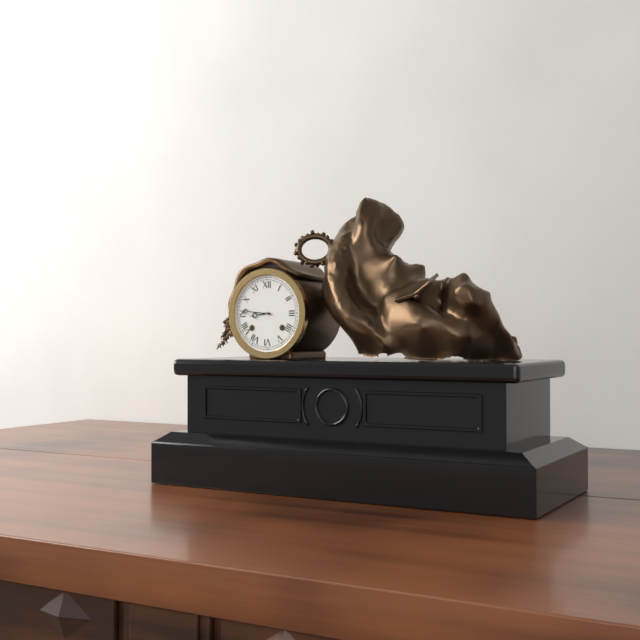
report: 8h46
